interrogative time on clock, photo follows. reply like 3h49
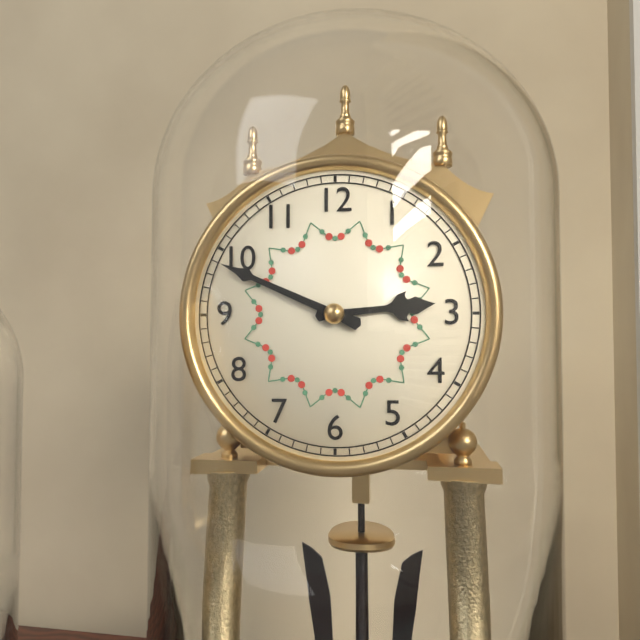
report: 2h49
